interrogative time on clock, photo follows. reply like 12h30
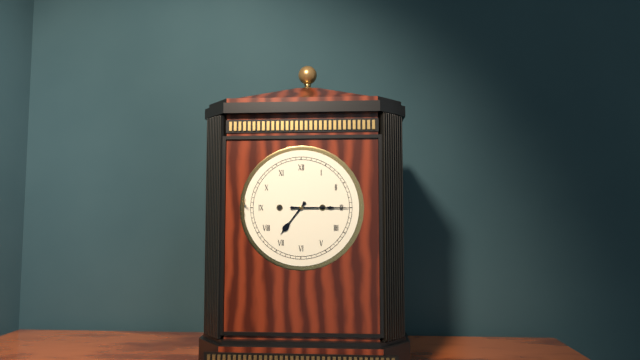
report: 7h15
